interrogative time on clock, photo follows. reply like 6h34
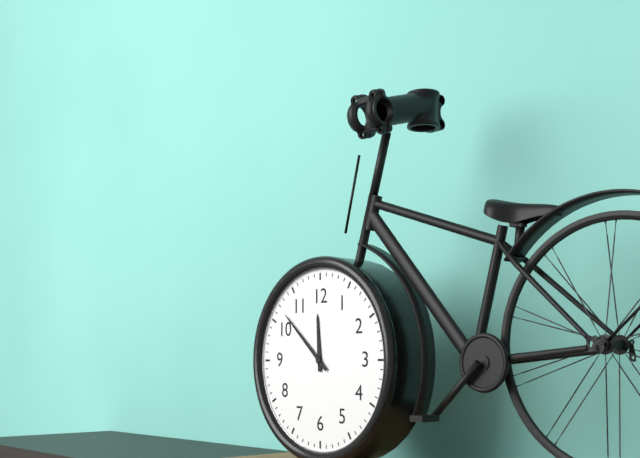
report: 11h52
